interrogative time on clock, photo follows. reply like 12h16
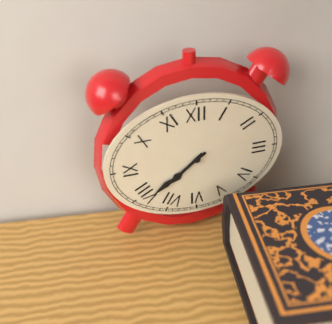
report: 7h39
